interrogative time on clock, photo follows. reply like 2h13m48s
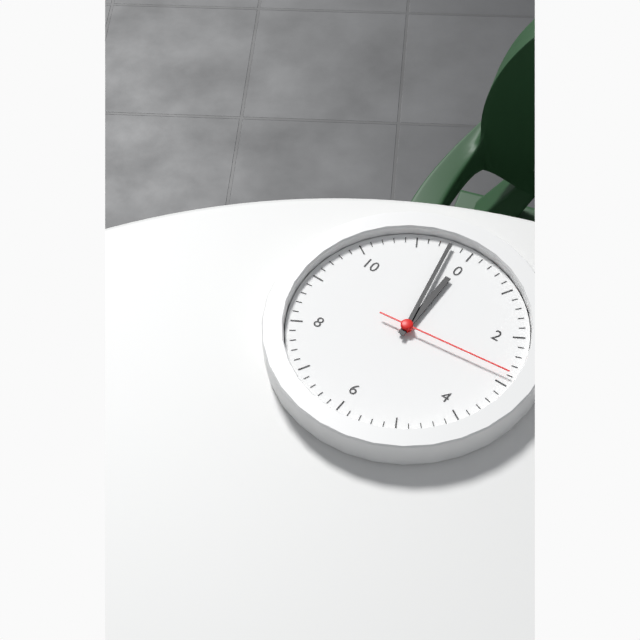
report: 11h58m14s
